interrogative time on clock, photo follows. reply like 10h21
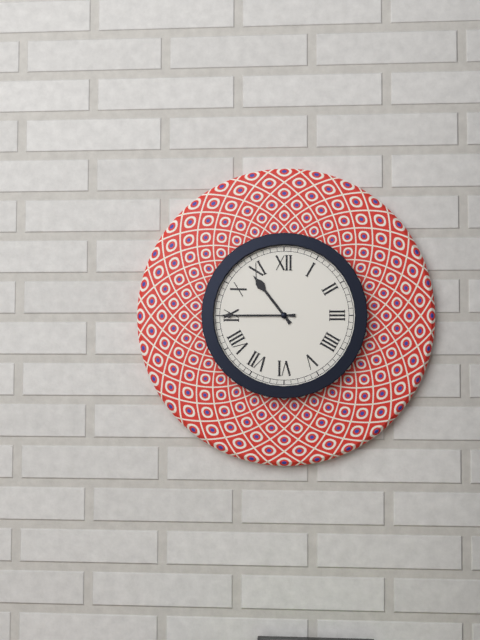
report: 10h45
